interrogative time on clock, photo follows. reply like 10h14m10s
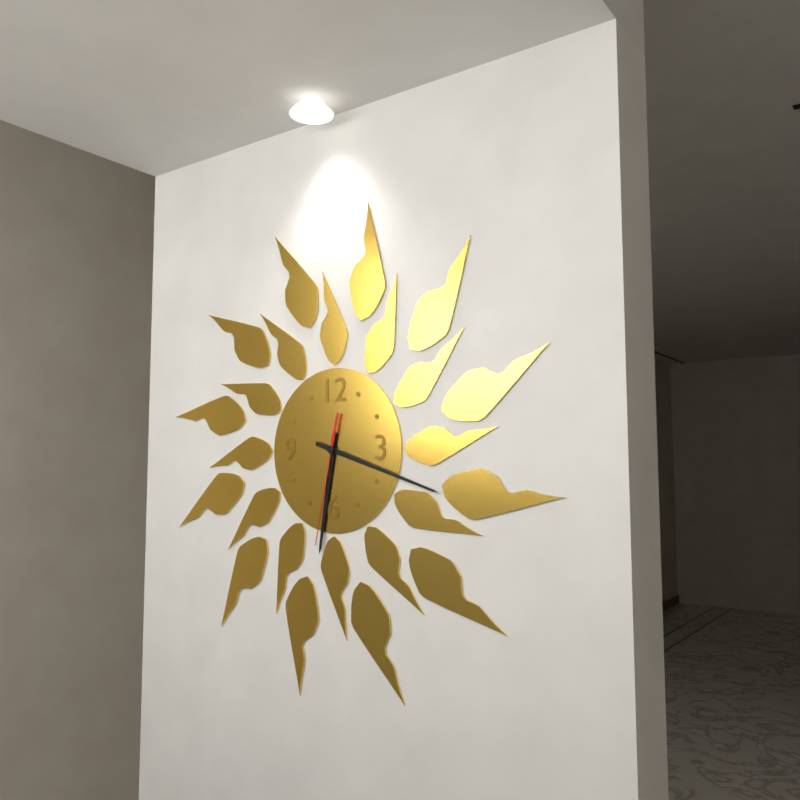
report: 6h18m32s
